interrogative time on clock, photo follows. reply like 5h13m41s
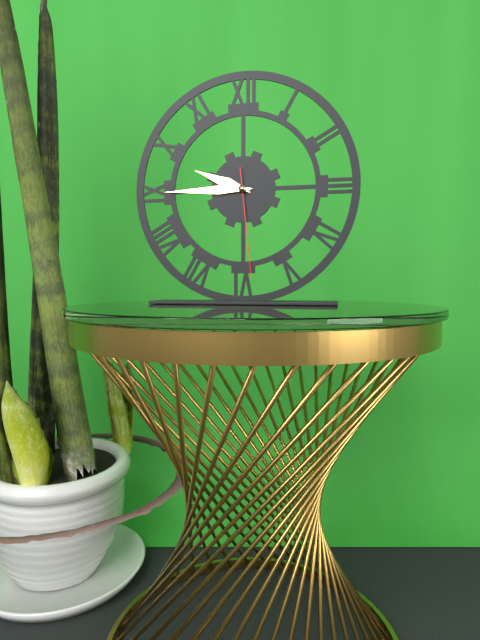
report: 9h45m29s
